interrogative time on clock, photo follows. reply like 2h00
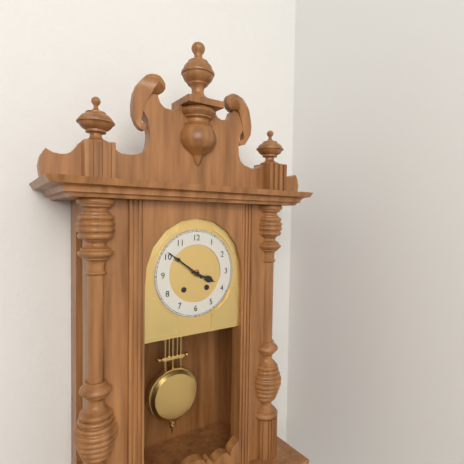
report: 3h51
